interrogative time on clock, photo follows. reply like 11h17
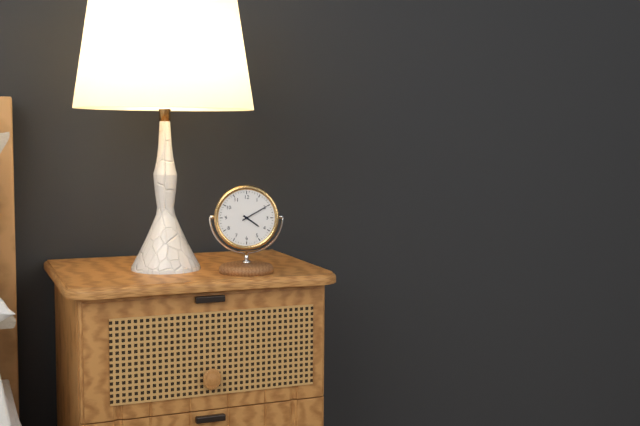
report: 4h10
